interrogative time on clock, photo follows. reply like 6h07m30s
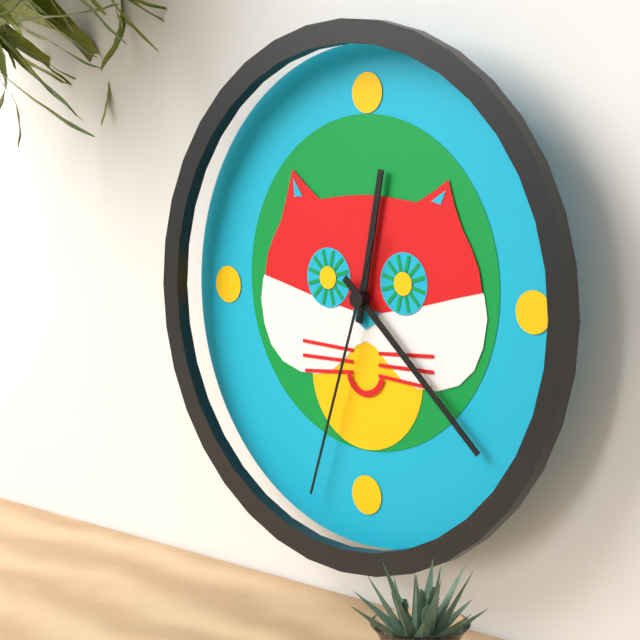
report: 12h22m33s
